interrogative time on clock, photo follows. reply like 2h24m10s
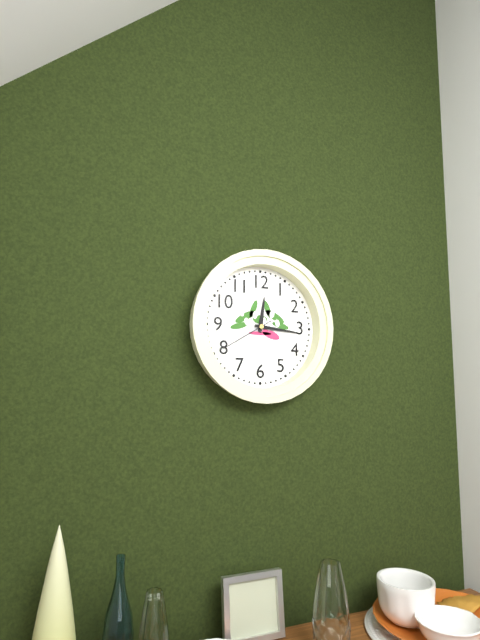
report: 12h16m40s
